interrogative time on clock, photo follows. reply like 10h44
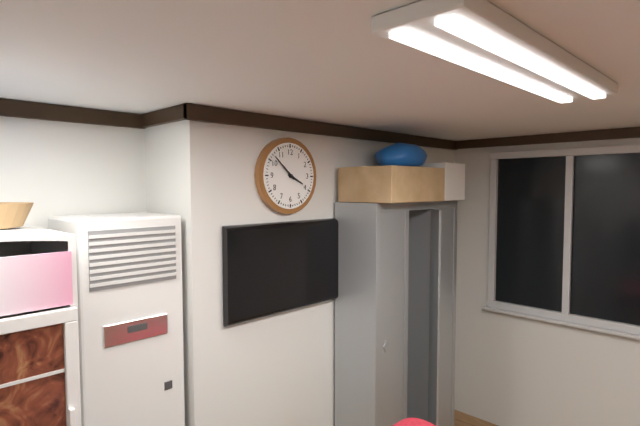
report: 3h52
